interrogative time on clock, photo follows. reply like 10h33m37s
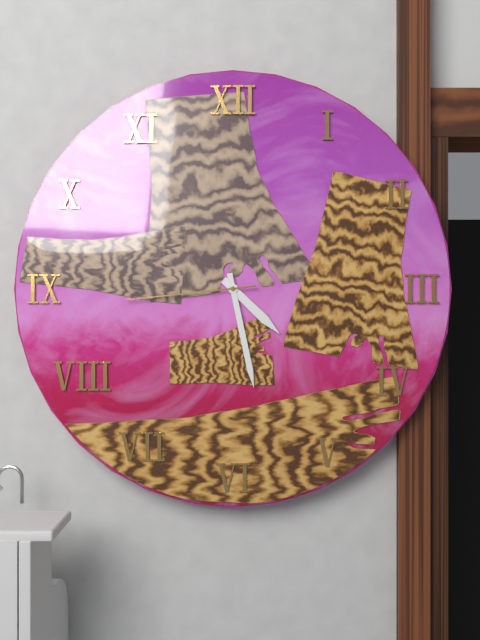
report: 4h28m44s
